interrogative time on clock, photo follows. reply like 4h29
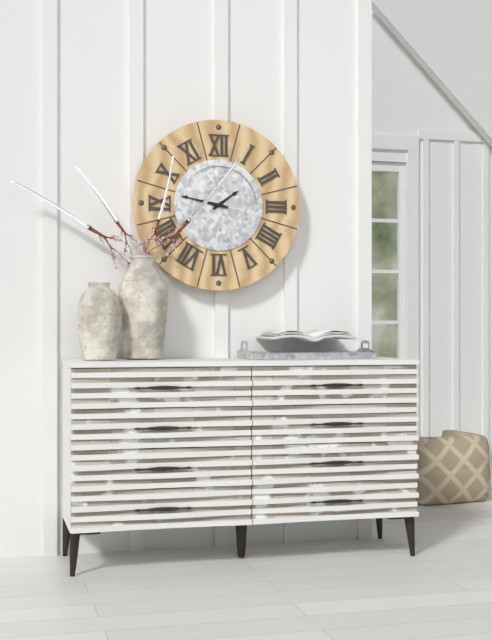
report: 1h47
